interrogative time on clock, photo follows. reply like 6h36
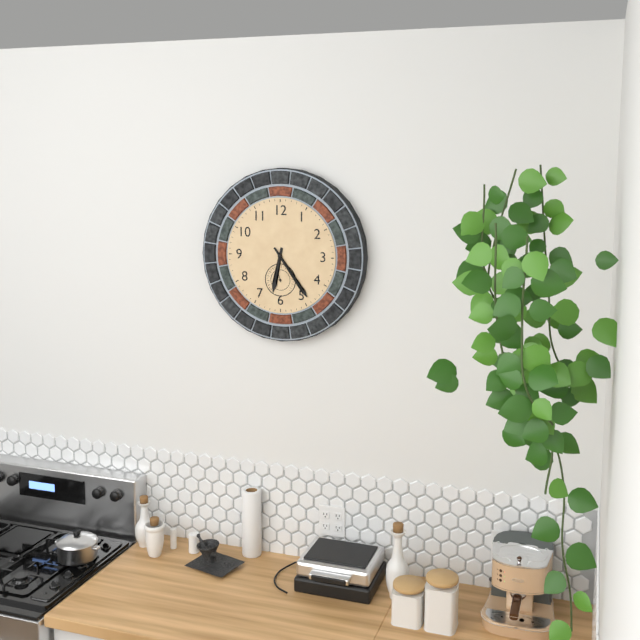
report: 6h24
